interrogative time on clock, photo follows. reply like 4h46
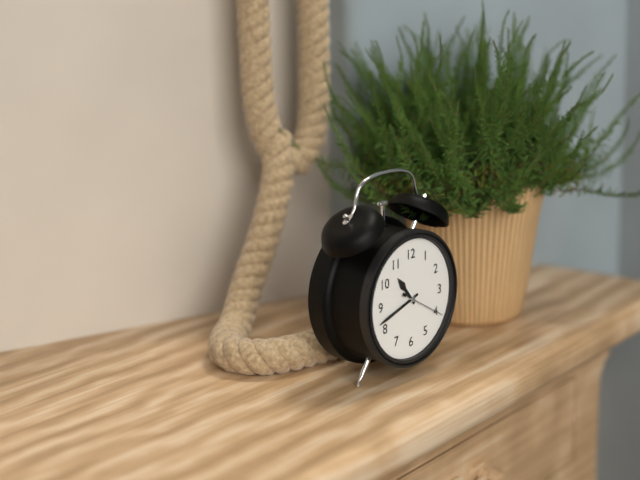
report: 10h42
